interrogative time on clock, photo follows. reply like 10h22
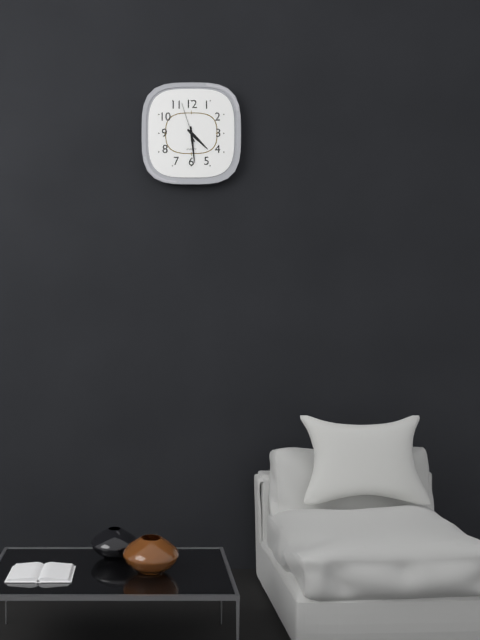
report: 4h29
